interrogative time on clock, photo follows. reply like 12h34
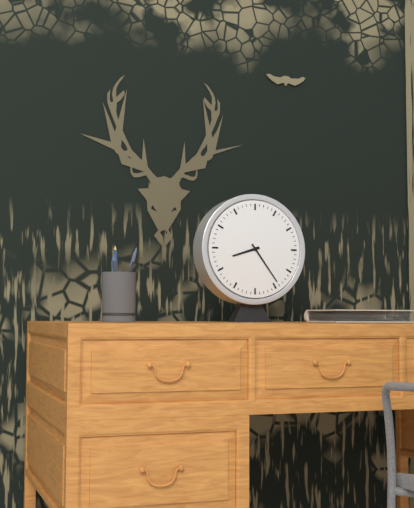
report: 8h24
